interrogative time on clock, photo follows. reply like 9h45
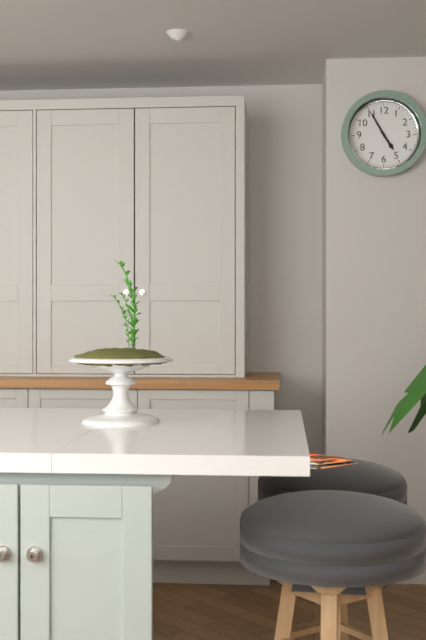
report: 4h55
